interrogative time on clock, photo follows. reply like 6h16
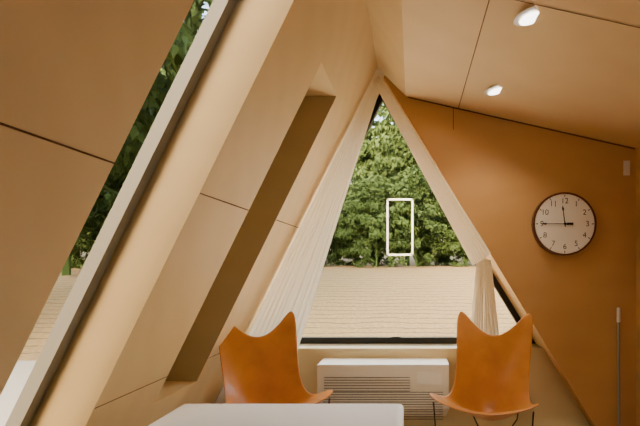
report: 11h45
